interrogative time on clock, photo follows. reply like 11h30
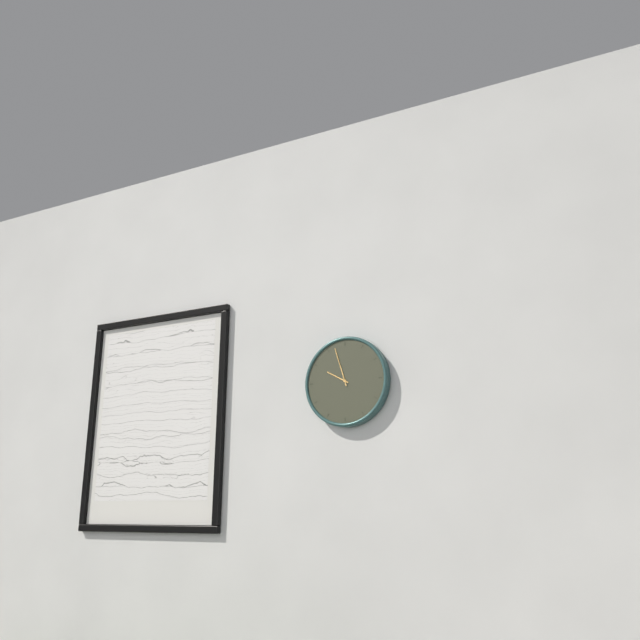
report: 9h57
